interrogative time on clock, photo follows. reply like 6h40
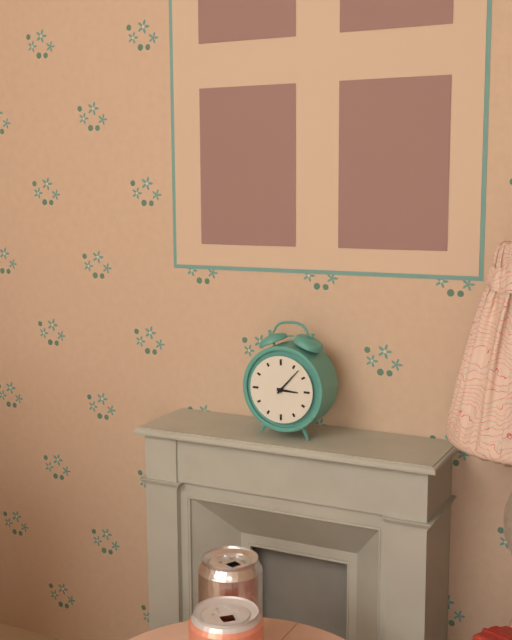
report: 3h07
